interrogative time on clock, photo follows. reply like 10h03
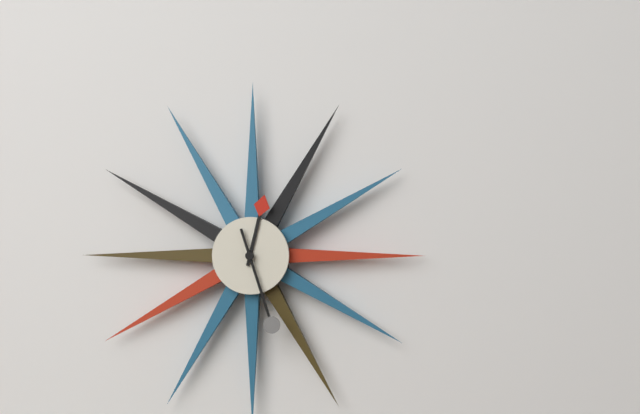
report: 12h27
